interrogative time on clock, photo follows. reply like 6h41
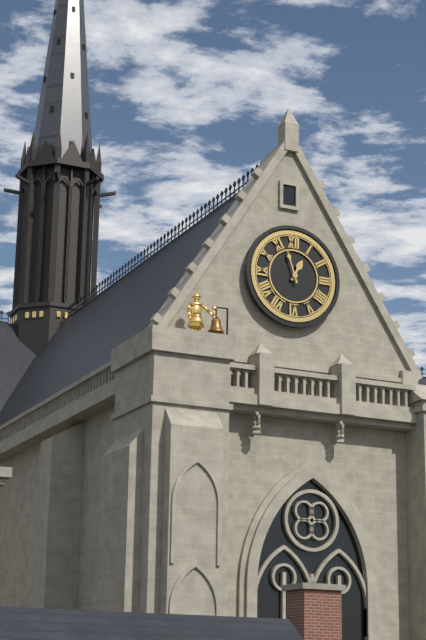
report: 12h57
